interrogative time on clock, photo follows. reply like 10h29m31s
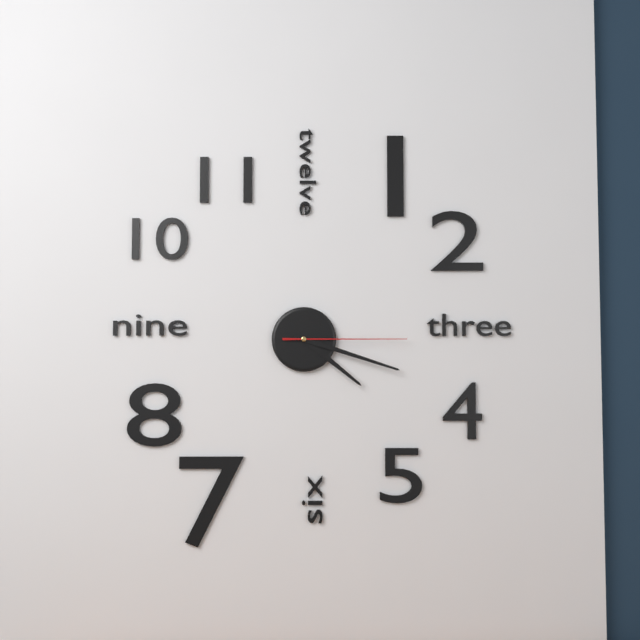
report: 4h18m15s
